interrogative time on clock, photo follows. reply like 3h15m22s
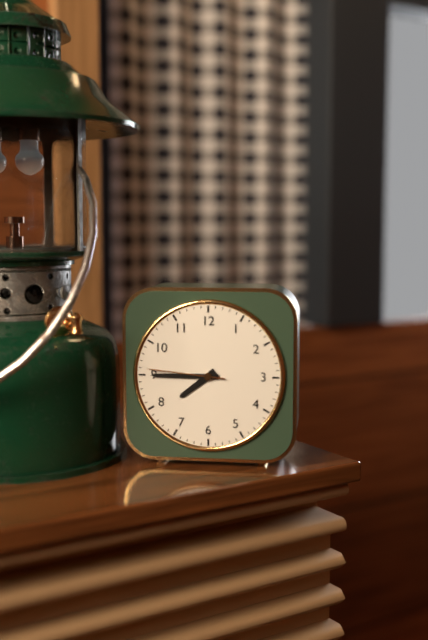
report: 7h45m46s
